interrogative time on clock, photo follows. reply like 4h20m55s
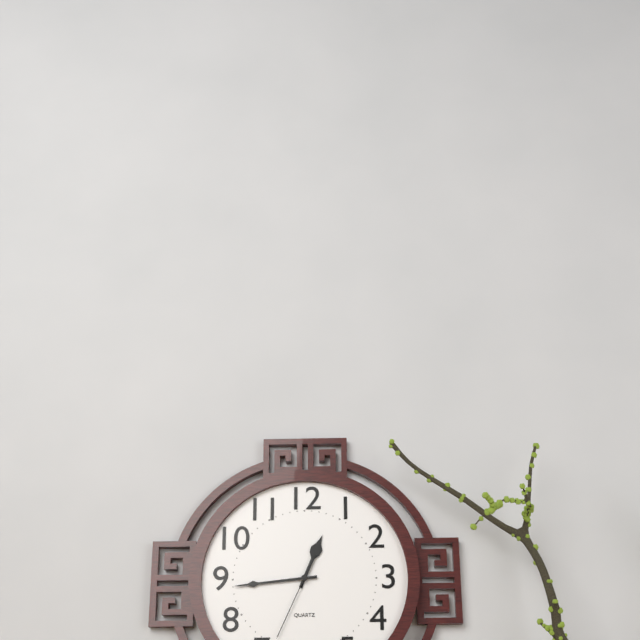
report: 12h44m34s
